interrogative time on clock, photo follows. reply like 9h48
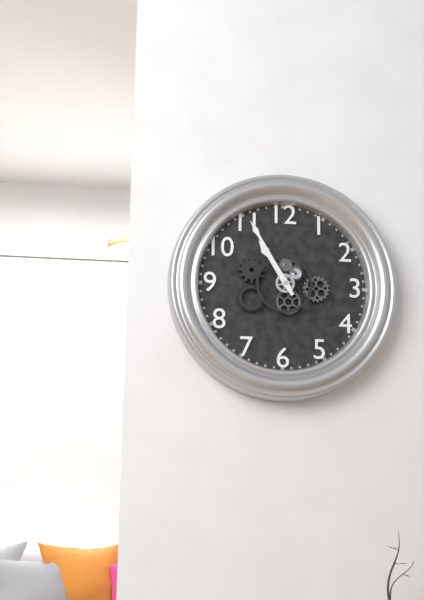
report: 10h55
